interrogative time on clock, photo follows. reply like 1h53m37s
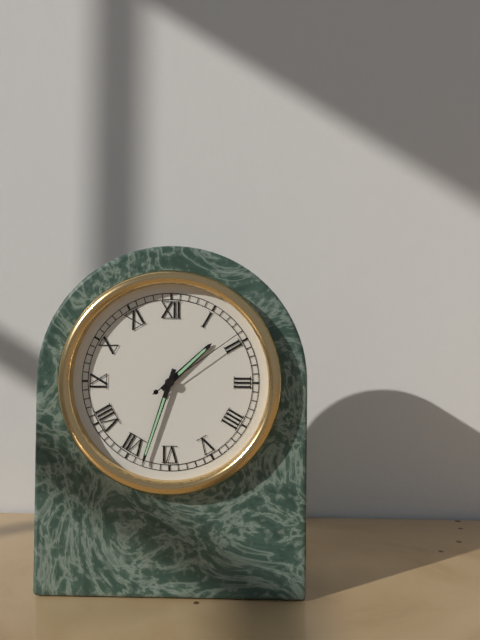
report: 1h33m09s
